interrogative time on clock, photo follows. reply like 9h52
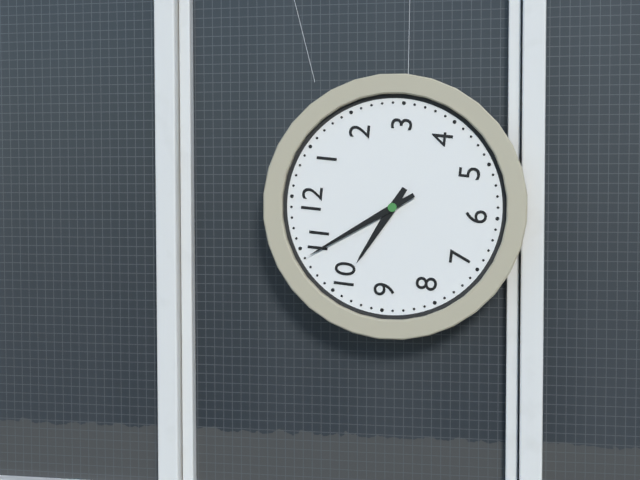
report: 9h54
